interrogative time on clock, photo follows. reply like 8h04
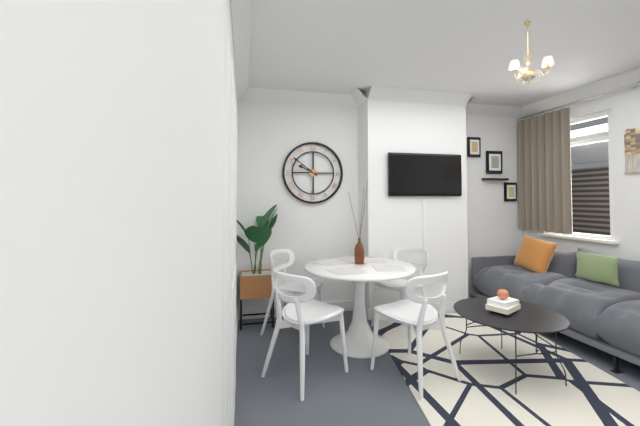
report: 9h51
